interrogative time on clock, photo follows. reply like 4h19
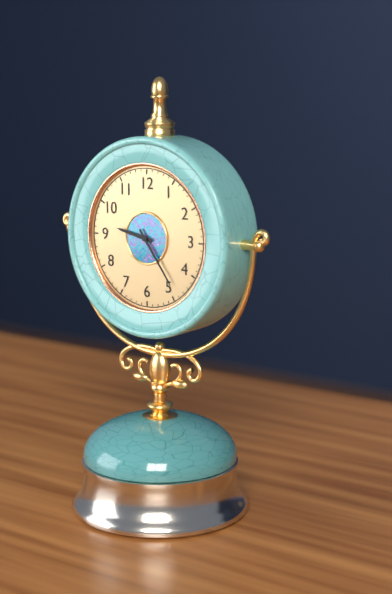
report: 9h24
